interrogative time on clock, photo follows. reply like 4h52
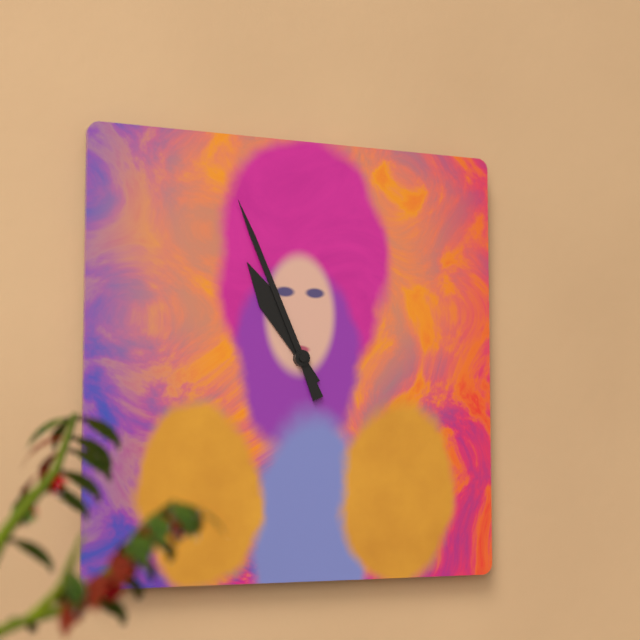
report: 10h56
